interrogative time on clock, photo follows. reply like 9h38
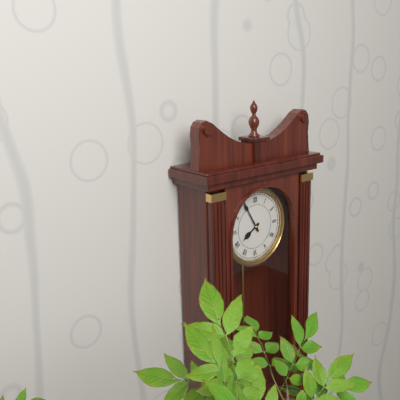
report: 7h55
